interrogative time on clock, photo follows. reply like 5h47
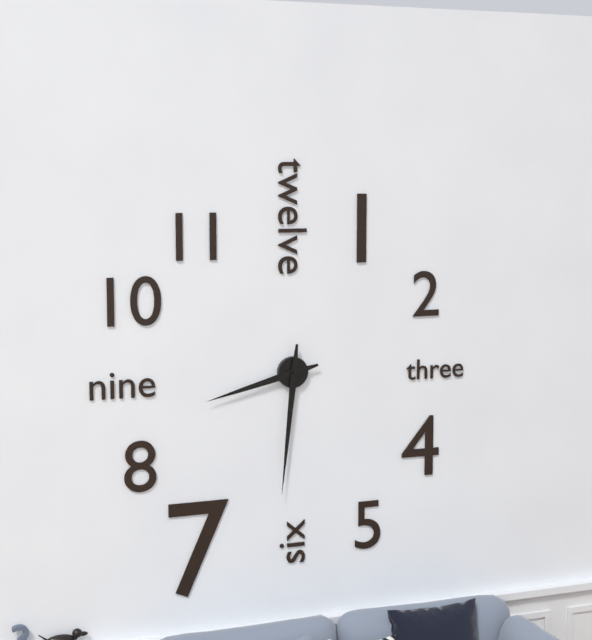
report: 8h31
